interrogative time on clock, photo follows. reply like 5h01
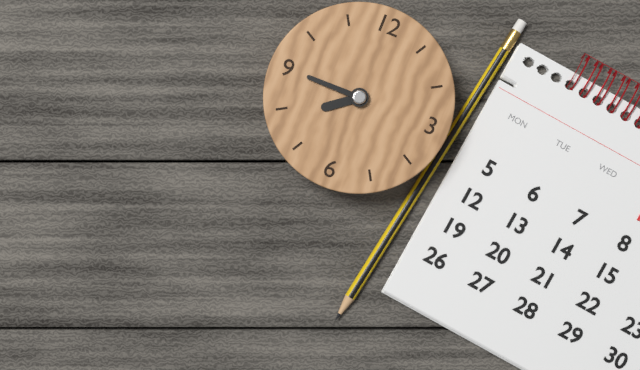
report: 7h45
